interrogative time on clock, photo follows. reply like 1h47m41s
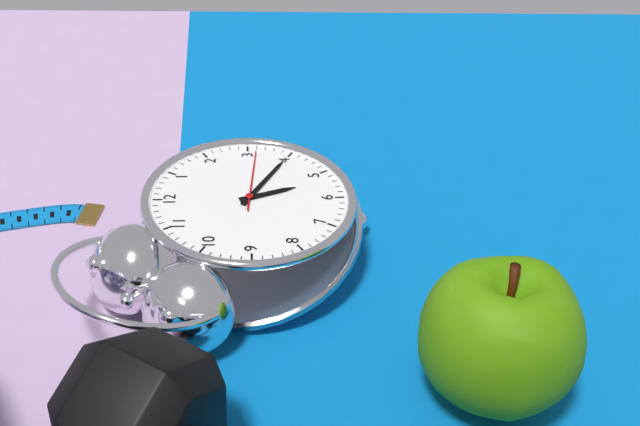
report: 5h20m16s
